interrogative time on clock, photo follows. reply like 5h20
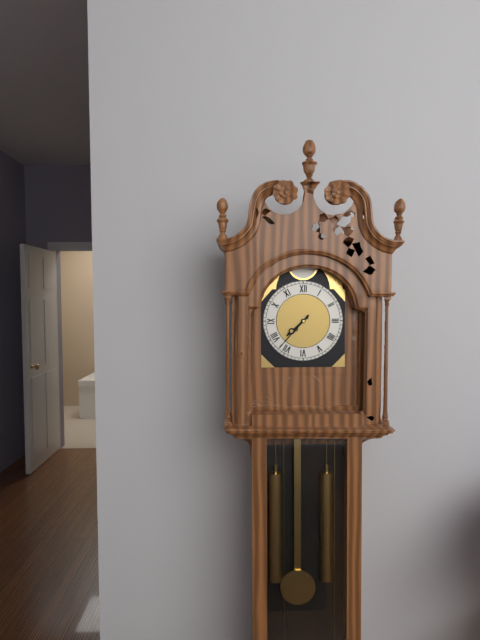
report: 7h37
